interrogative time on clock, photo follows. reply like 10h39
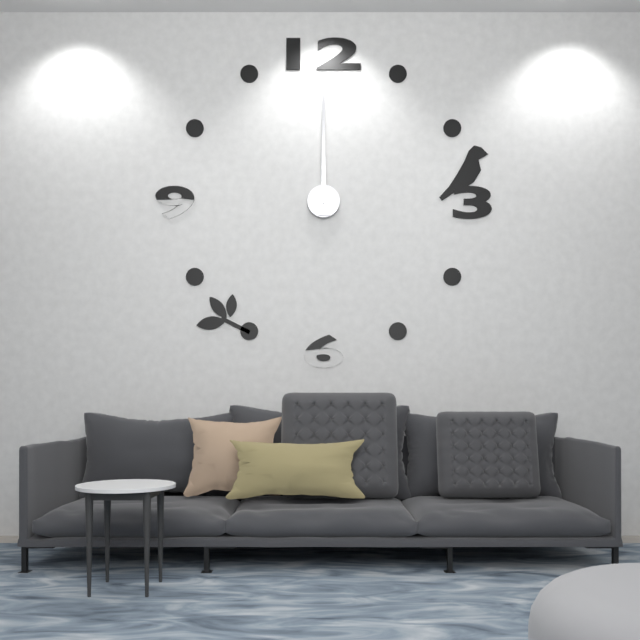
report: 12h00
